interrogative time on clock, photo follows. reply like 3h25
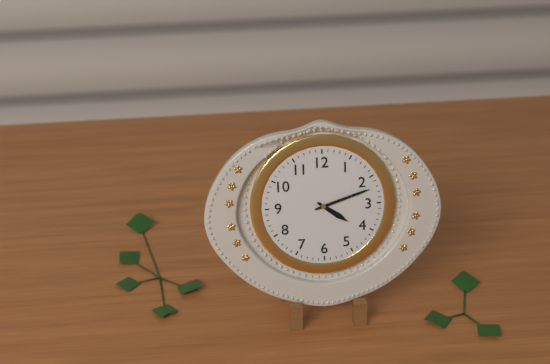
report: 4h12
